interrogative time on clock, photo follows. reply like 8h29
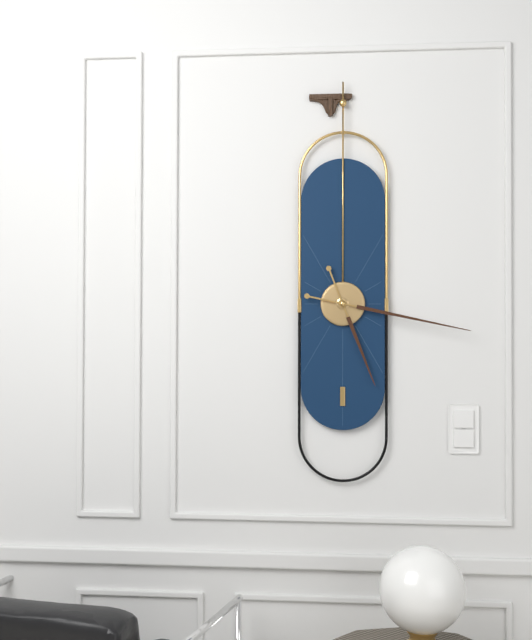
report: 5h17
